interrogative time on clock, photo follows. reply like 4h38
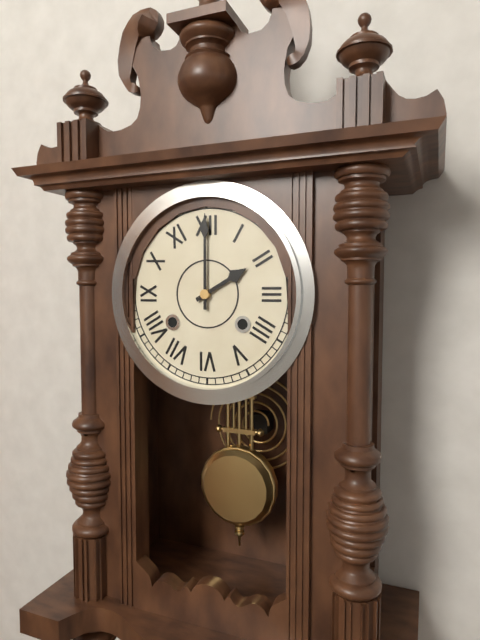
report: 2h00
